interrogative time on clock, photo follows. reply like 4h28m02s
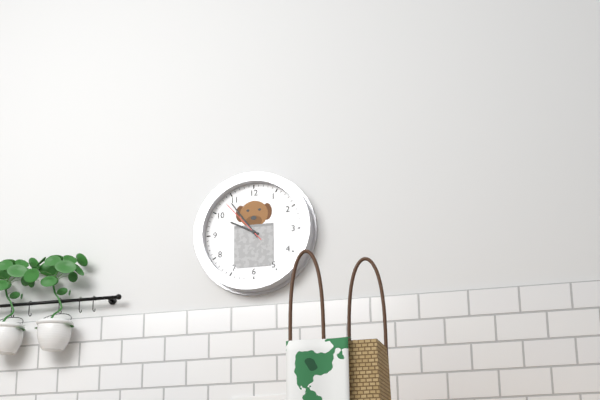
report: 9h54m53s
